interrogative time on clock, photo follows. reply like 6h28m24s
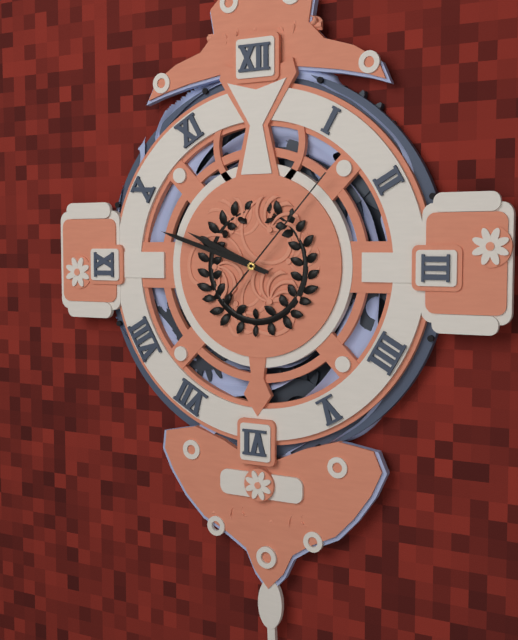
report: 9h48m07s
